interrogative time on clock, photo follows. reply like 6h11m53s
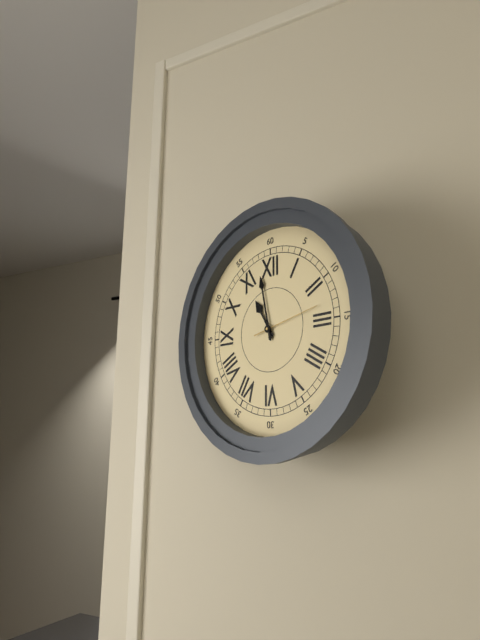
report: 10h58m13s
